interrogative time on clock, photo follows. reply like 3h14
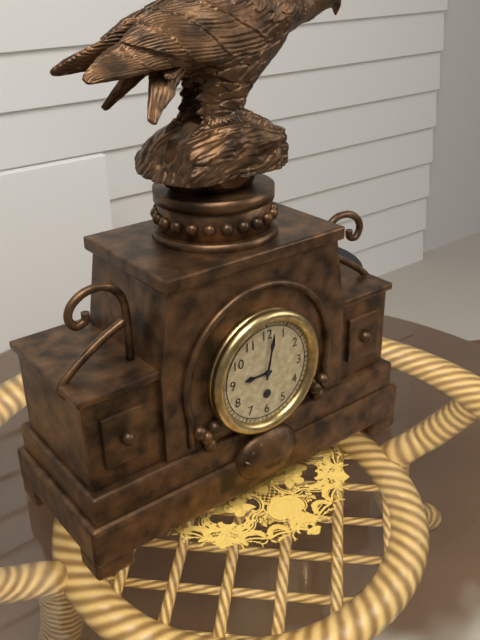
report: 9h02
